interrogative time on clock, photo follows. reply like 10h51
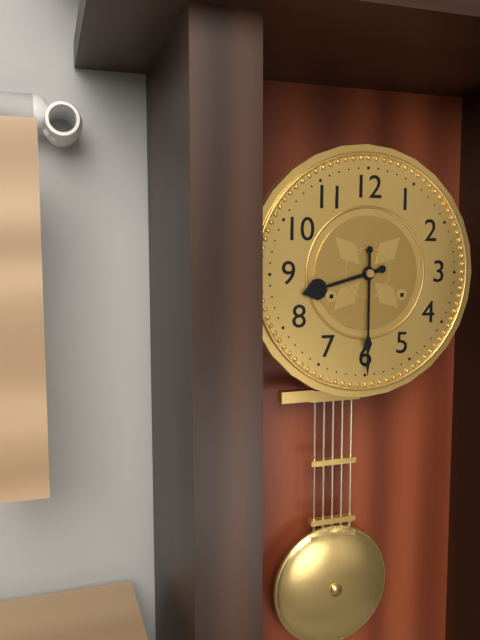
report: 8h30
